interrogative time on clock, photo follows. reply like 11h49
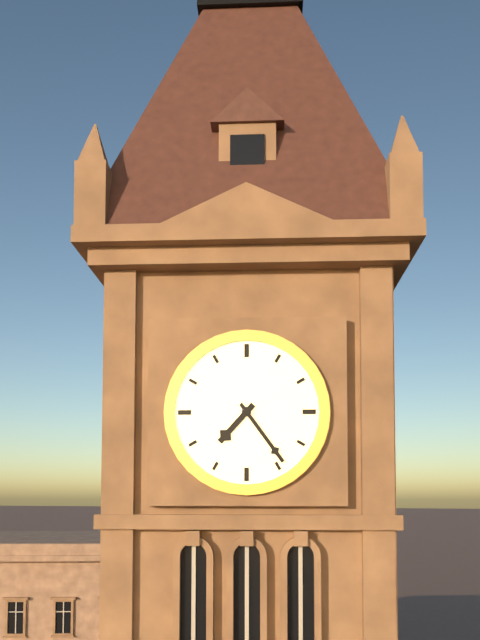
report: 7h24
